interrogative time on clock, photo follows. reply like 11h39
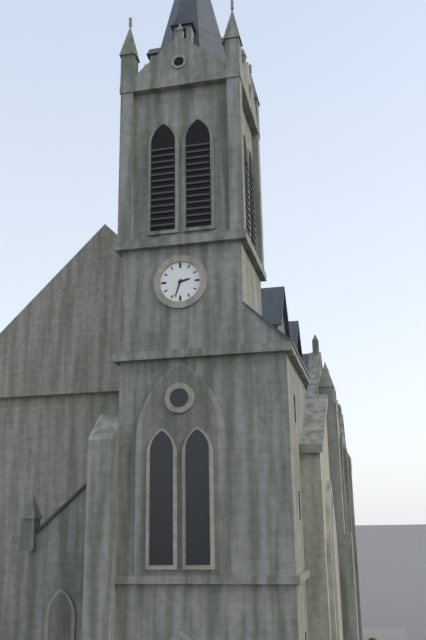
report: 2h33
